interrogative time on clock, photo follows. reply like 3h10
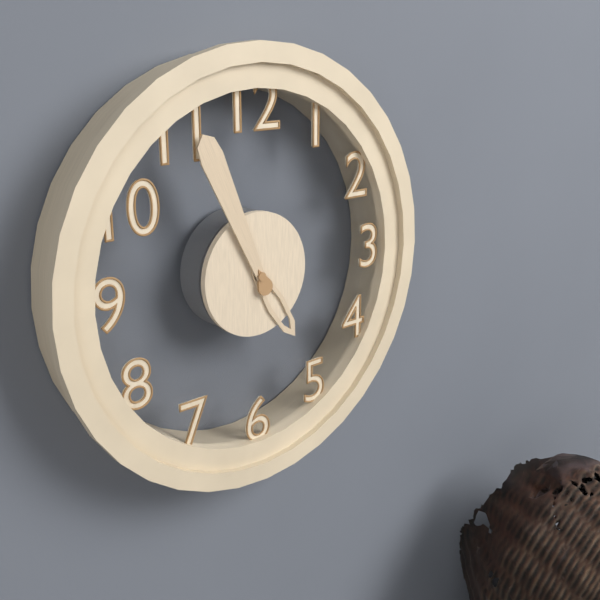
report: 4h56
